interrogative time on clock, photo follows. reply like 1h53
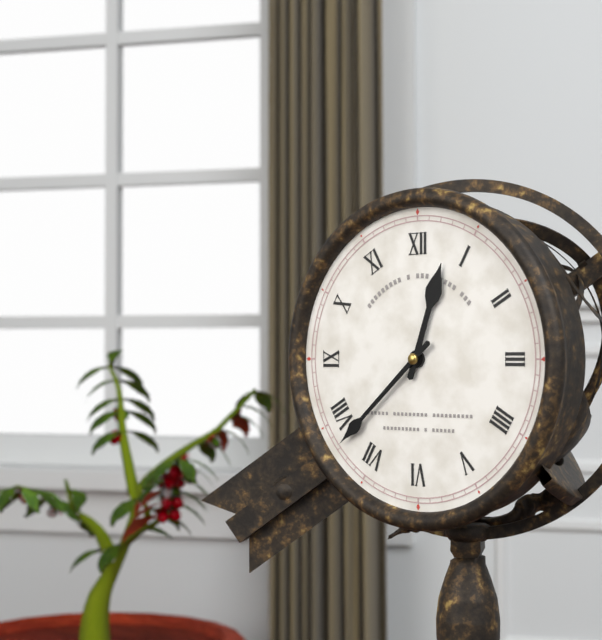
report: 12h38
